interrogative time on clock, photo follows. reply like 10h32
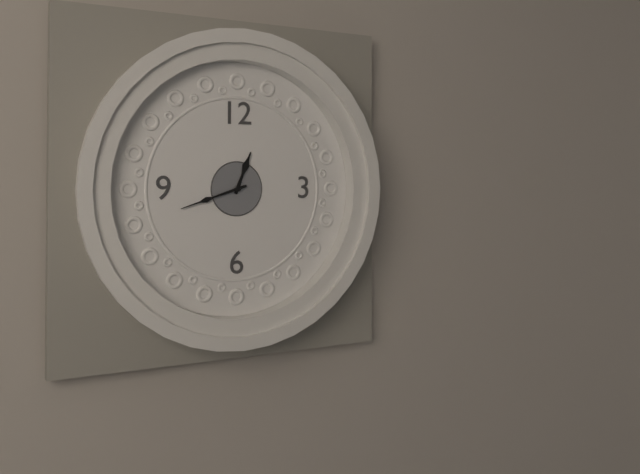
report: 12h42
